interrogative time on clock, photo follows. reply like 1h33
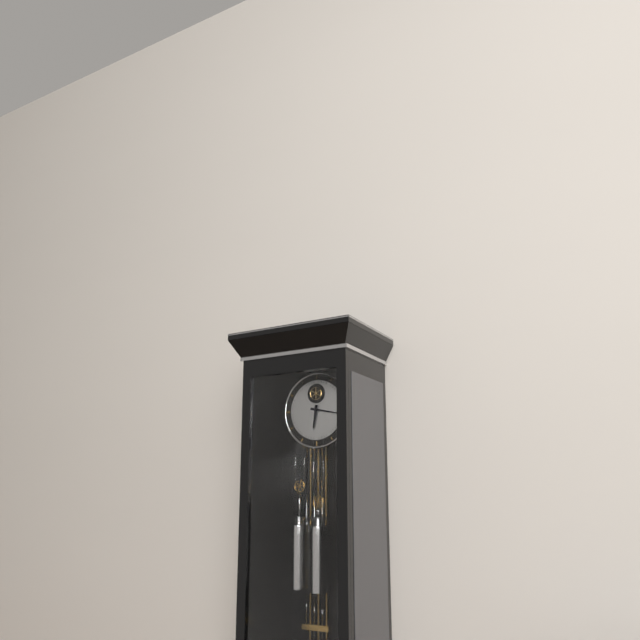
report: 6h17
